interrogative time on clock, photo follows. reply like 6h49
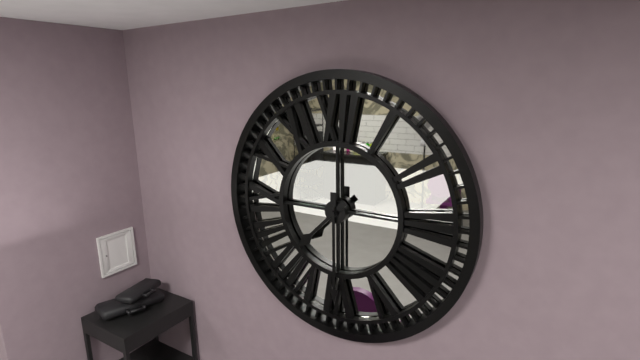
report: 7h30
